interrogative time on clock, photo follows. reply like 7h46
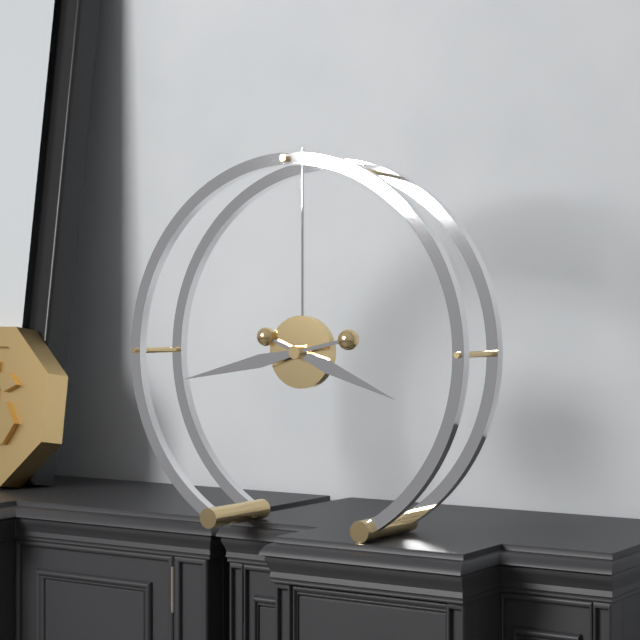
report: 3h43
